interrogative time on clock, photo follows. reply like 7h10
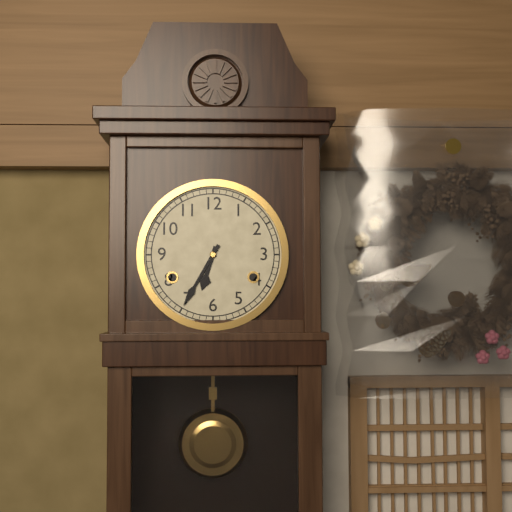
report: 6h35
